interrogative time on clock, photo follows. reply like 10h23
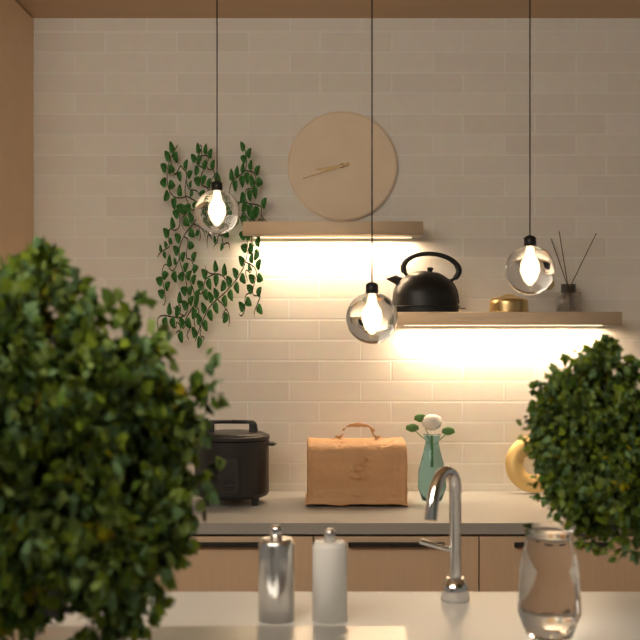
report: 8h42
